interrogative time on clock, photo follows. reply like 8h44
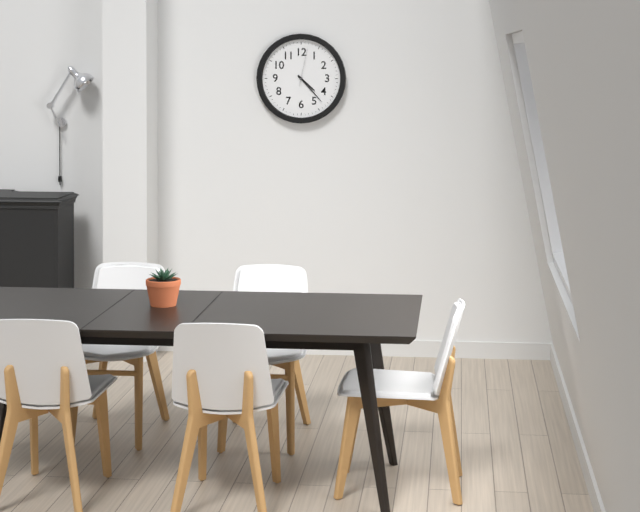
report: 4h23
